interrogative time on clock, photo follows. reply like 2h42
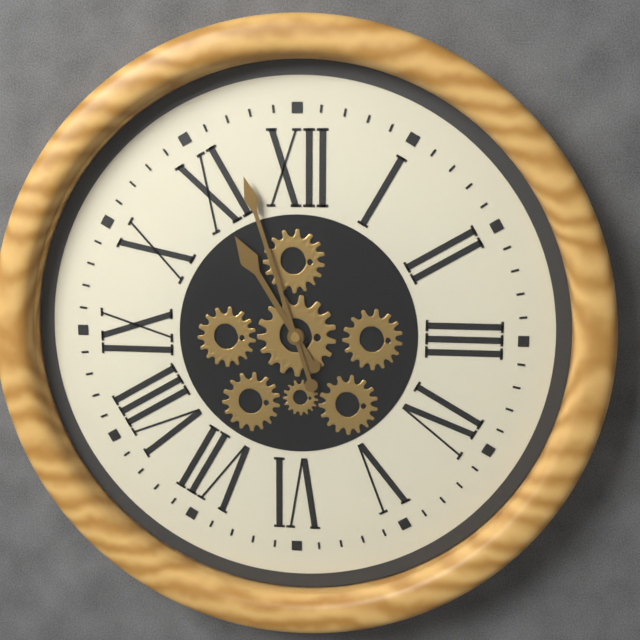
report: 10h57
